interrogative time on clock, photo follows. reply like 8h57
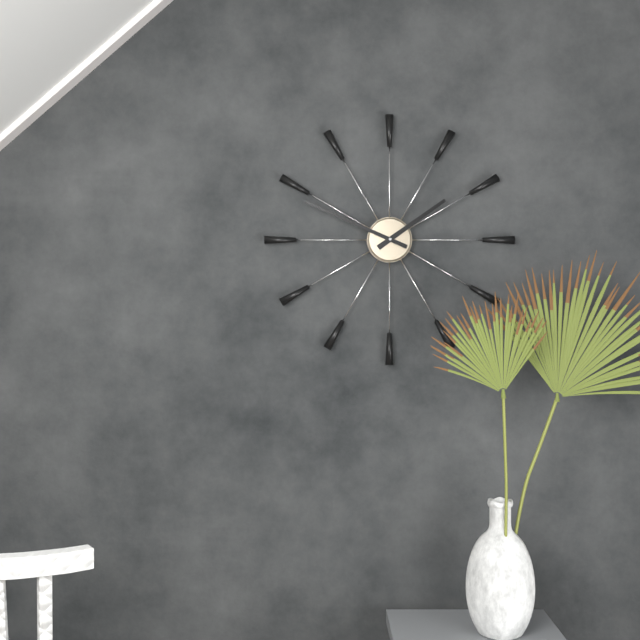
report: 1h49
